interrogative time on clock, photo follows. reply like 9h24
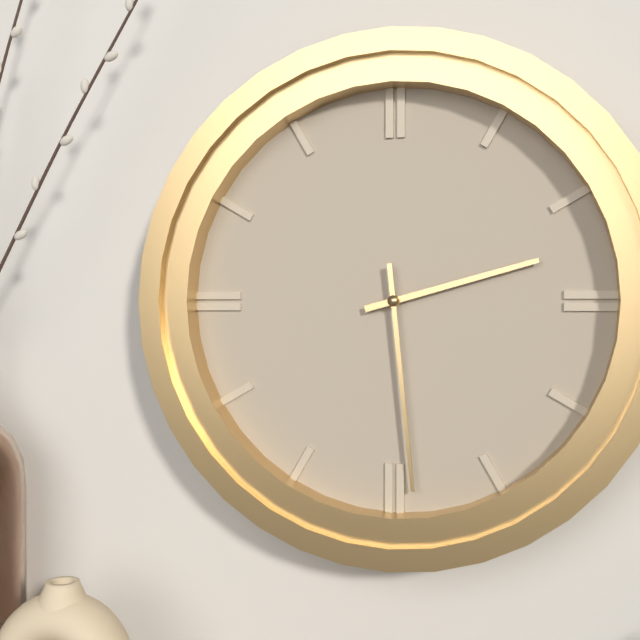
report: 2h29
